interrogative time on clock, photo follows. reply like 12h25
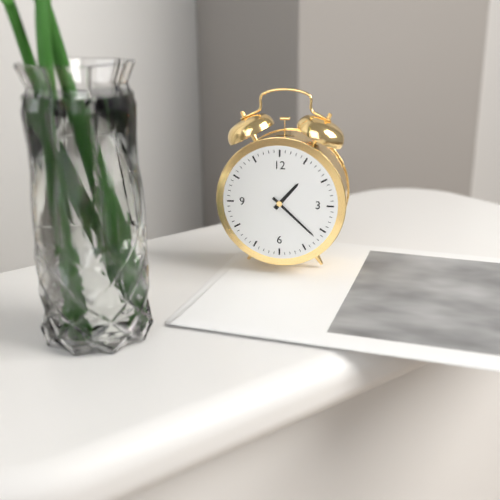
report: 1h22
